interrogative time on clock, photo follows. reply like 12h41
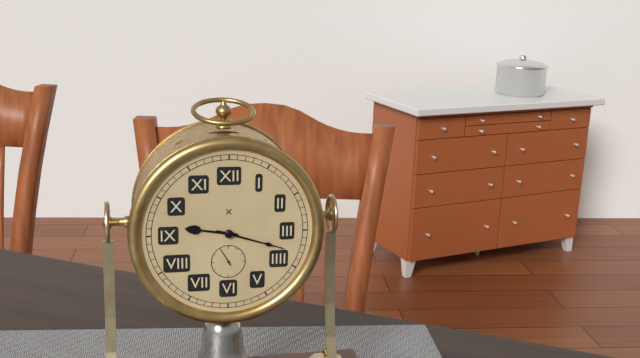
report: 9h18
